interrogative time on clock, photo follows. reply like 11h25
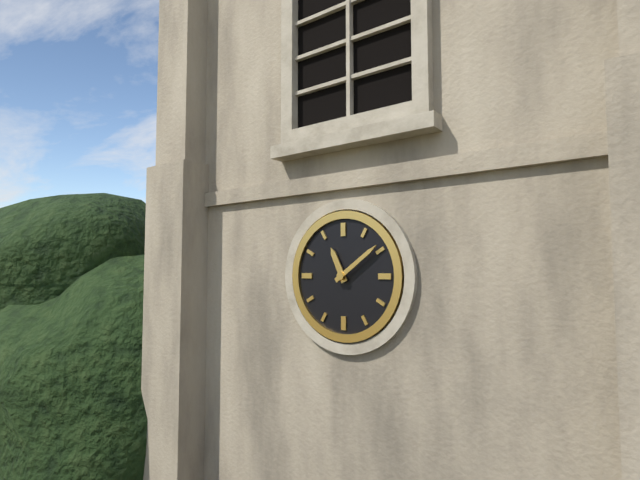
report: 11h09
